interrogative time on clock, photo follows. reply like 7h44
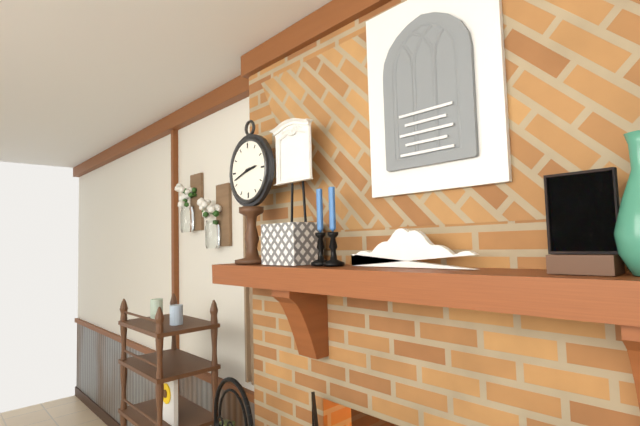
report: 2h42
